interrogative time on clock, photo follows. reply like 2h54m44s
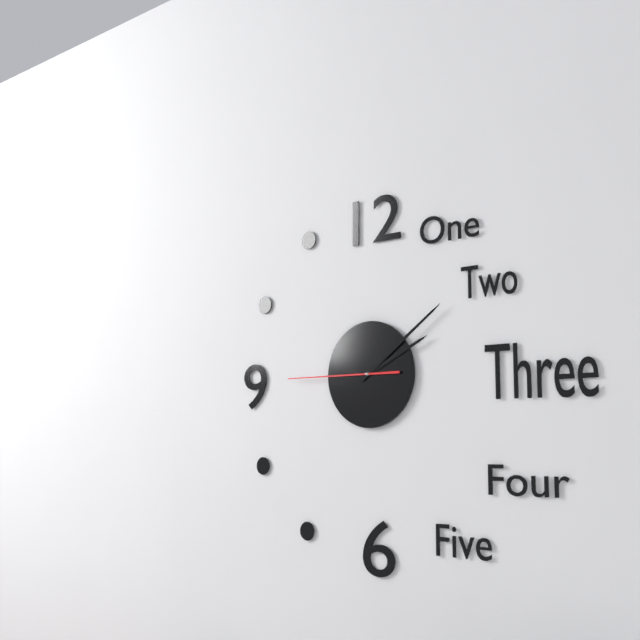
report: 2h09m45s
